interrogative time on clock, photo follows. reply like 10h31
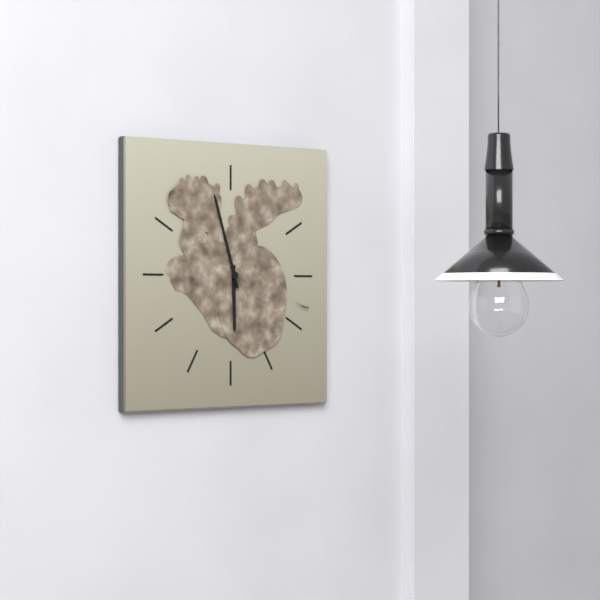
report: 5h57
